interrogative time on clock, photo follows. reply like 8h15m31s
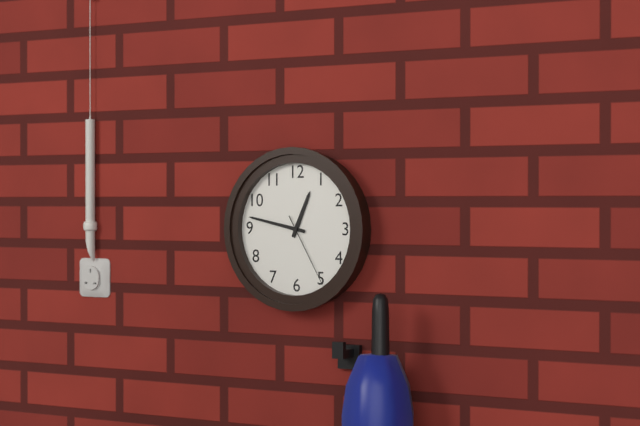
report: 12h47m25s
